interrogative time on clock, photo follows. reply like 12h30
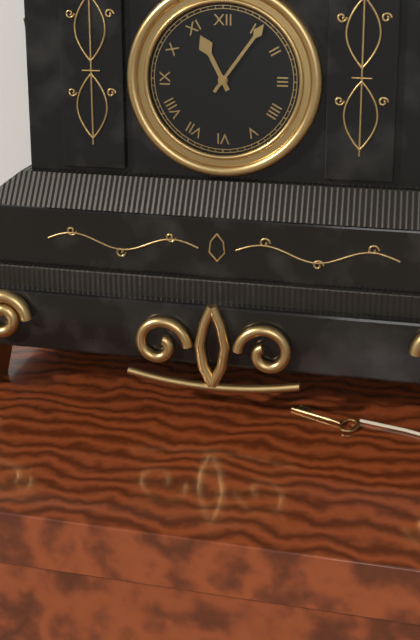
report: 11h06
